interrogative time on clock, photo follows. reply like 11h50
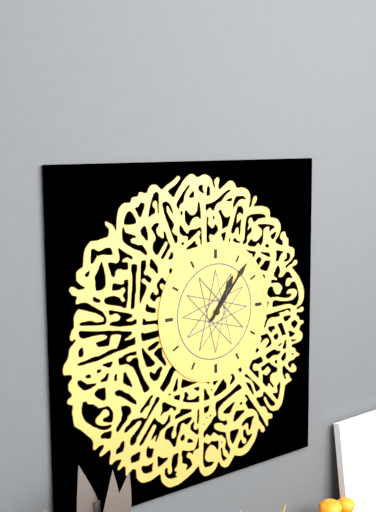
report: 1h07
